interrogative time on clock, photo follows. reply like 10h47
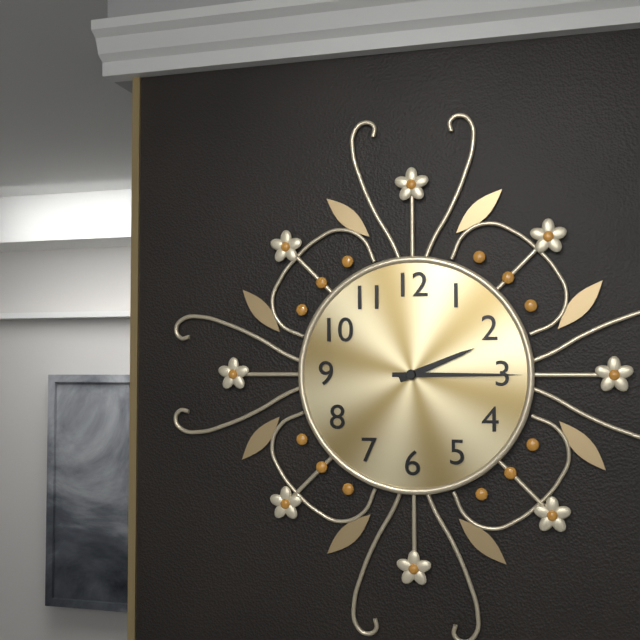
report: 2h15
